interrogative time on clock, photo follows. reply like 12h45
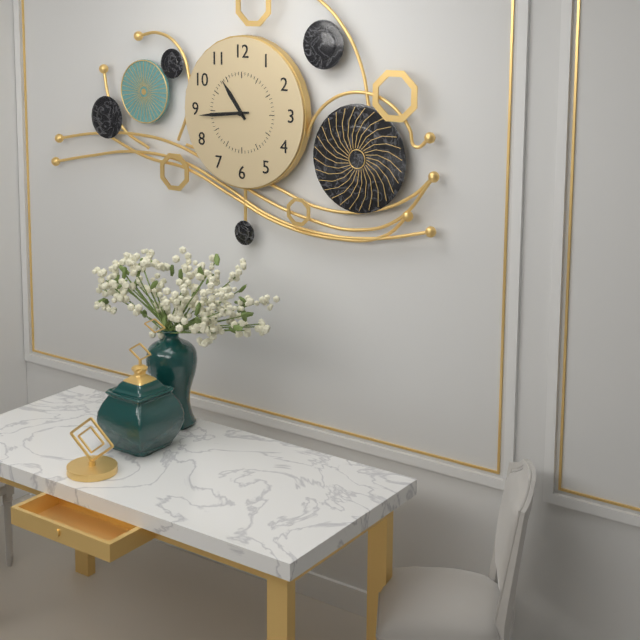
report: 10h44
